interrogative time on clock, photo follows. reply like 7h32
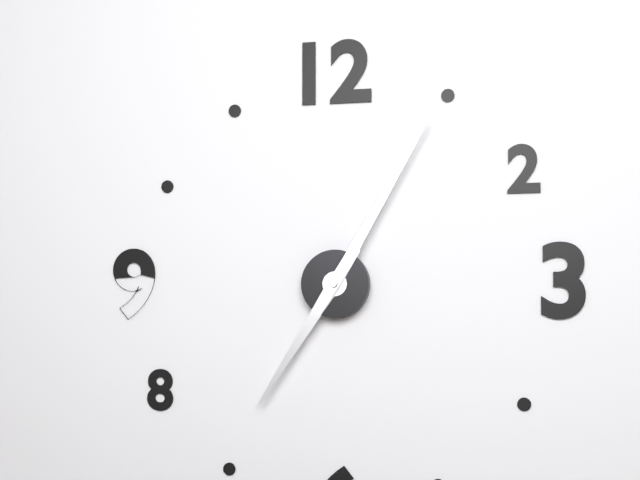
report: 7h05
